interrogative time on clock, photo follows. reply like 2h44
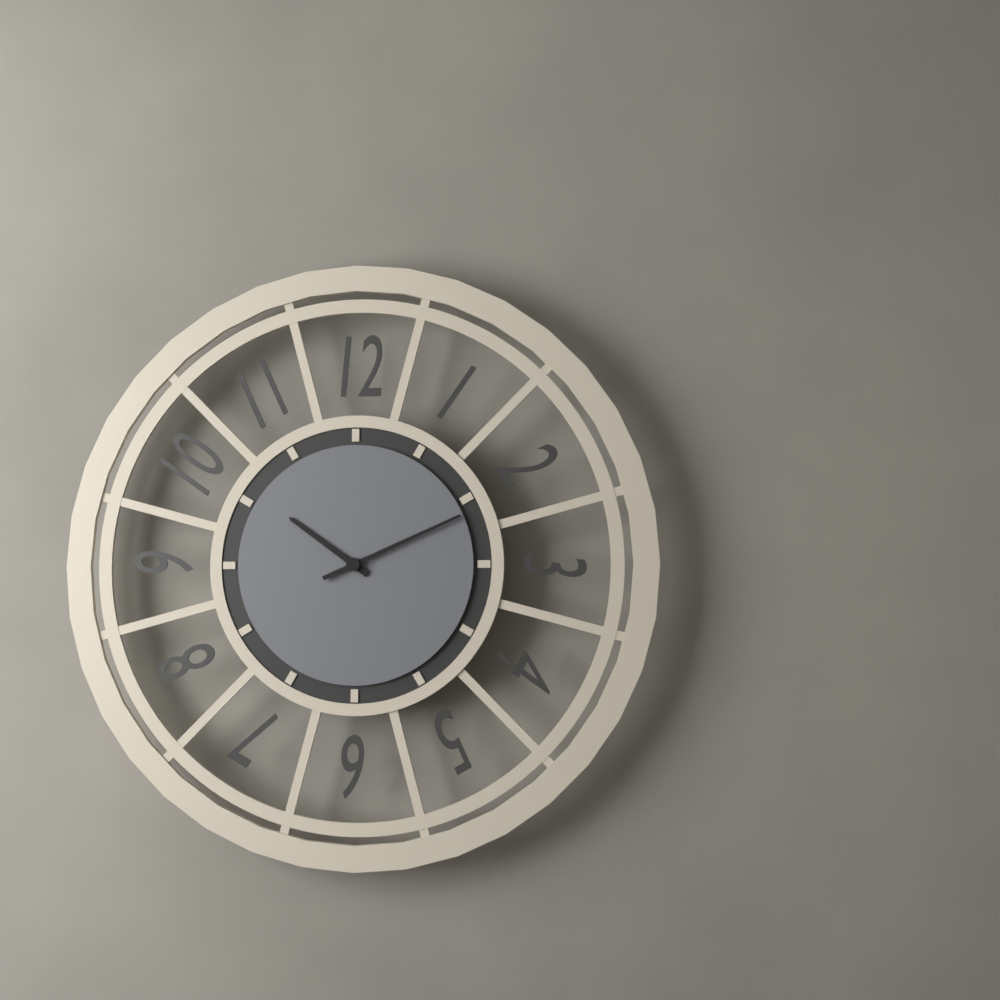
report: 10h11
